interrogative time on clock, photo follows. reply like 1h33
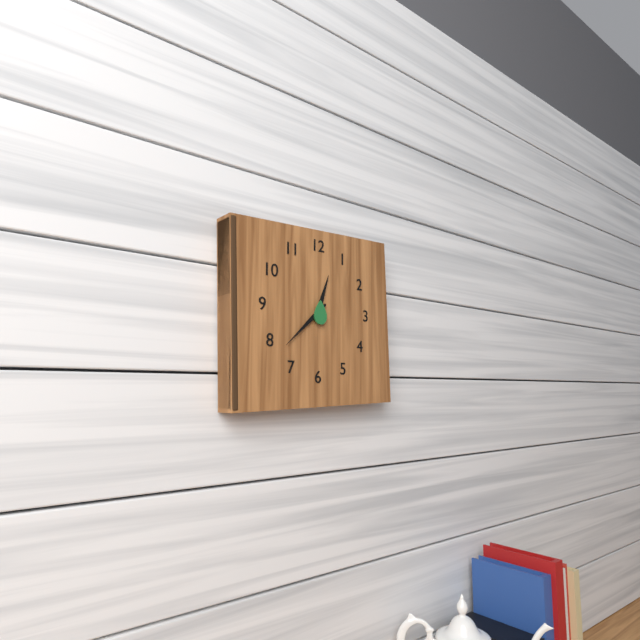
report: 12h38
